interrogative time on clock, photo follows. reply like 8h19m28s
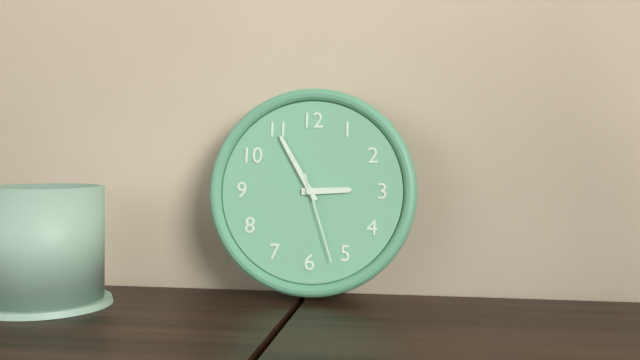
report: 2h55m27s
